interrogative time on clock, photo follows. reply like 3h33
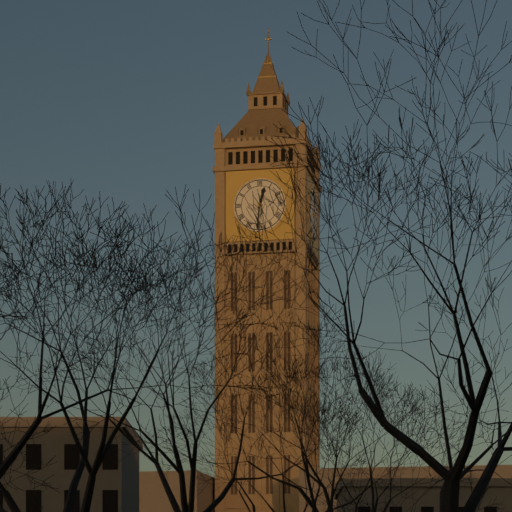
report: 12h31
